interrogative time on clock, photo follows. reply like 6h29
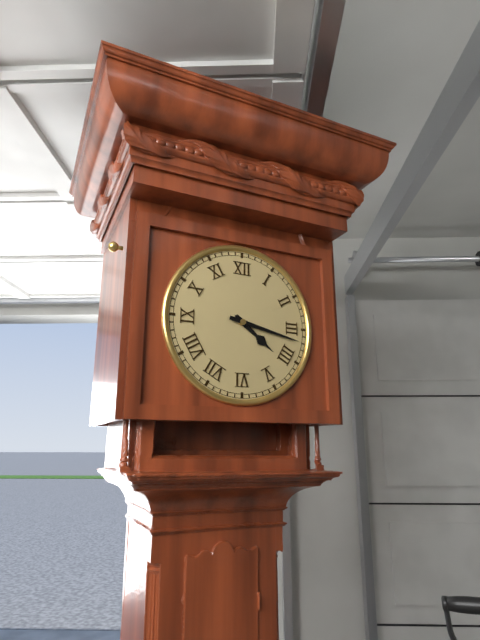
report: 4h17
